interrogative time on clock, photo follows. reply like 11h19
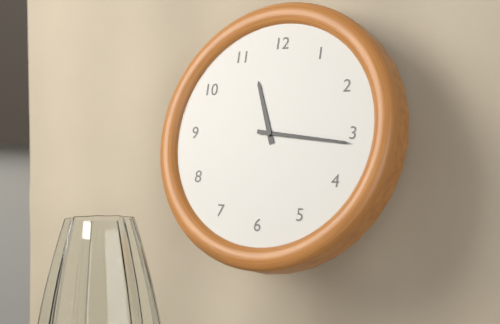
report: 11h16
